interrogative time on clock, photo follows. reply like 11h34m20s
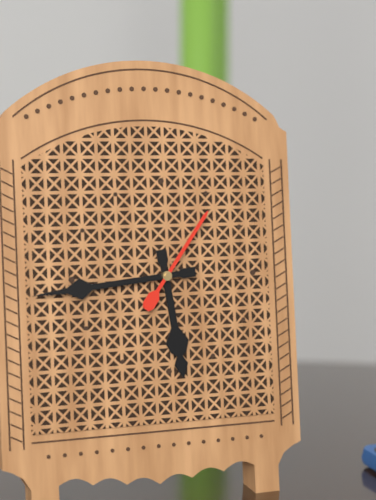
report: 5h44m06s
